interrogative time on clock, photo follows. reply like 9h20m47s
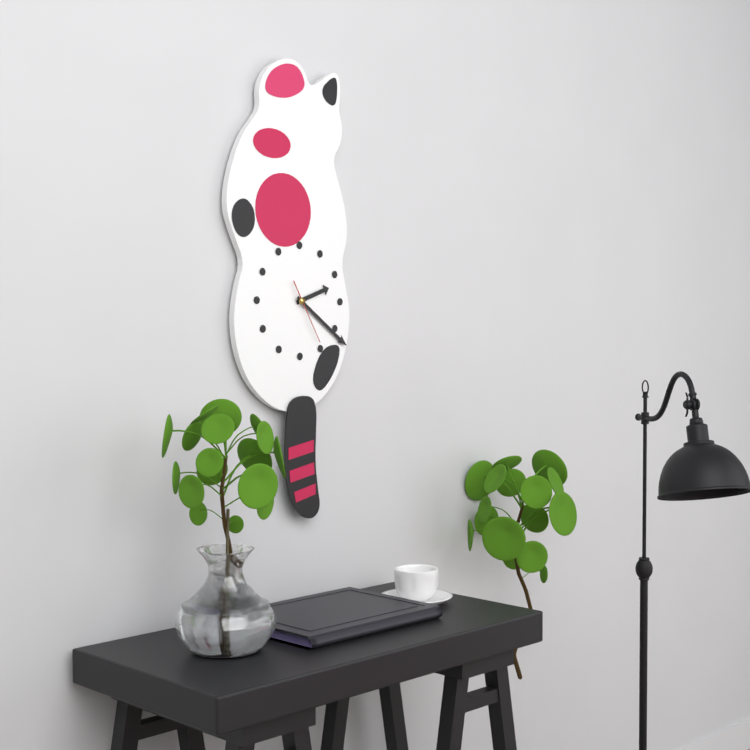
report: 2h21m25s
